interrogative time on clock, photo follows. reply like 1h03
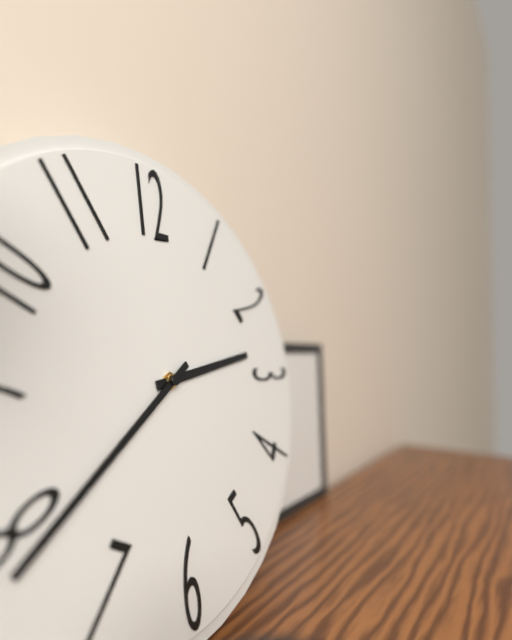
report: 2h39
